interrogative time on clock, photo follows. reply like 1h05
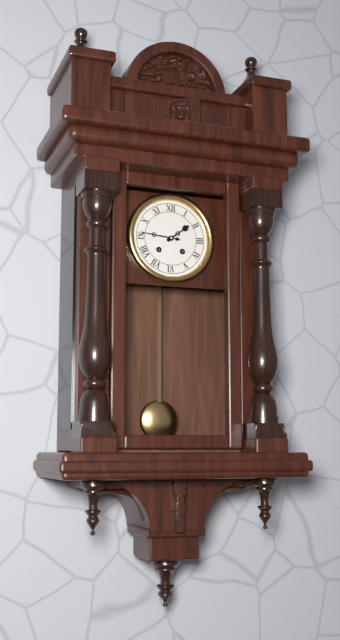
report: 1h46
